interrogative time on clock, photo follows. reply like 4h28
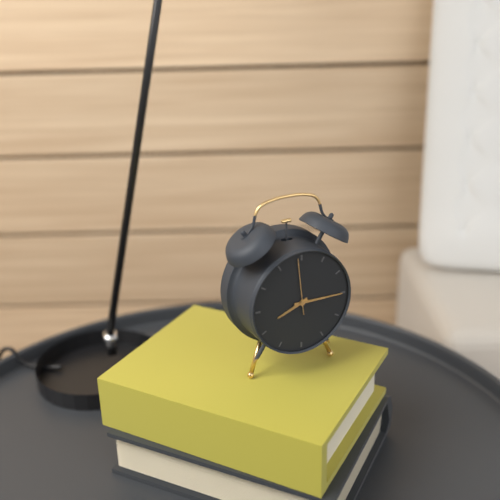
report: 8h15
